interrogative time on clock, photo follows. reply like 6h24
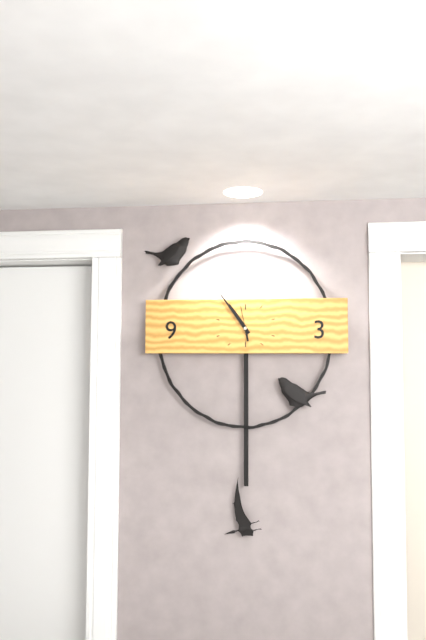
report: 10h54
